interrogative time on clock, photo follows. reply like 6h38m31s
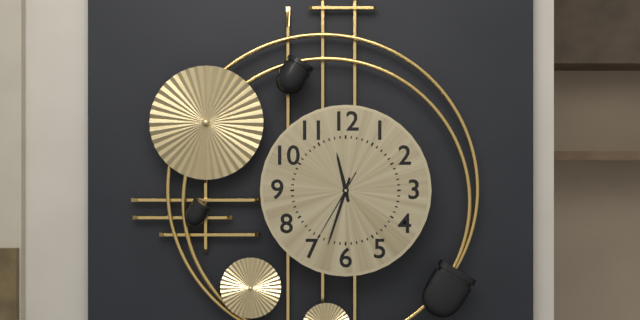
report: 11h33m35s
